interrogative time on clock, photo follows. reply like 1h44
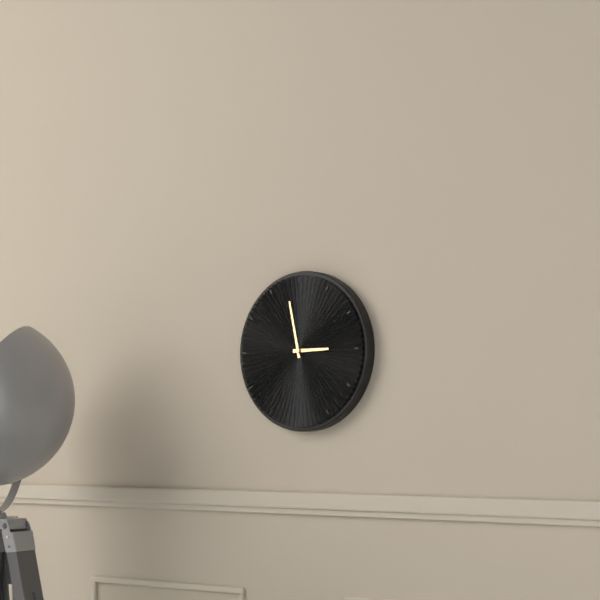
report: 2h58
